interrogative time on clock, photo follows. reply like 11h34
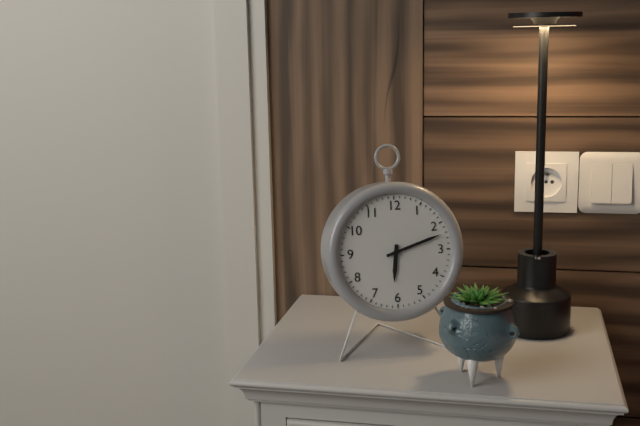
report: 6h12
